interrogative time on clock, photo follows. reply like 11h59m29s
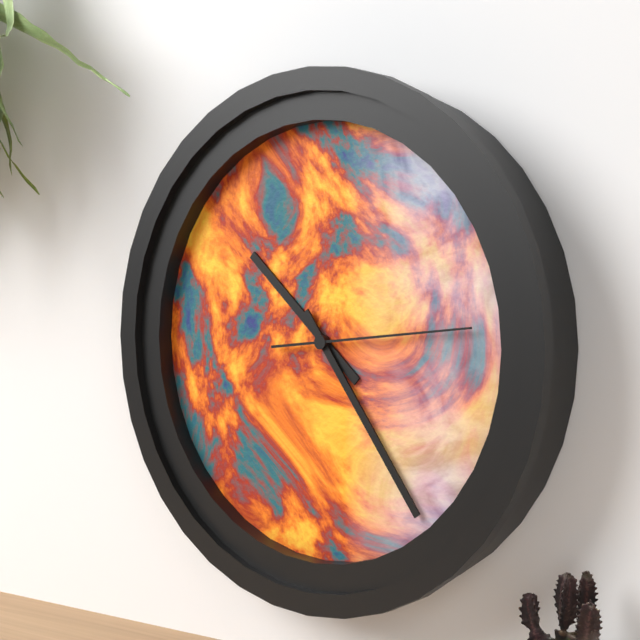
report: 10h24m14s
